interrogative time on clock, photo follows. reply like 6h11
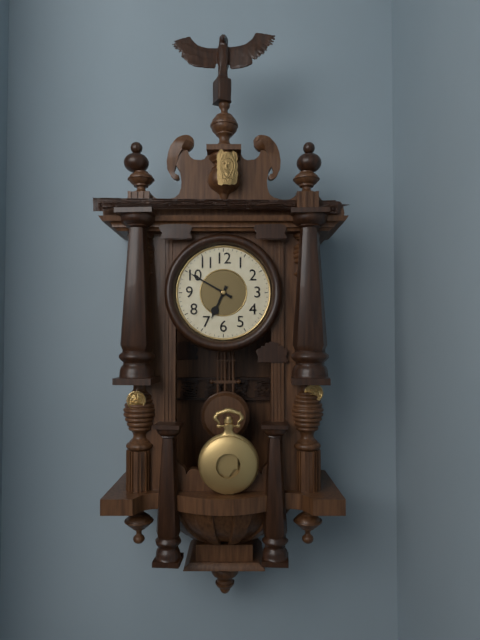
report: 6h50
